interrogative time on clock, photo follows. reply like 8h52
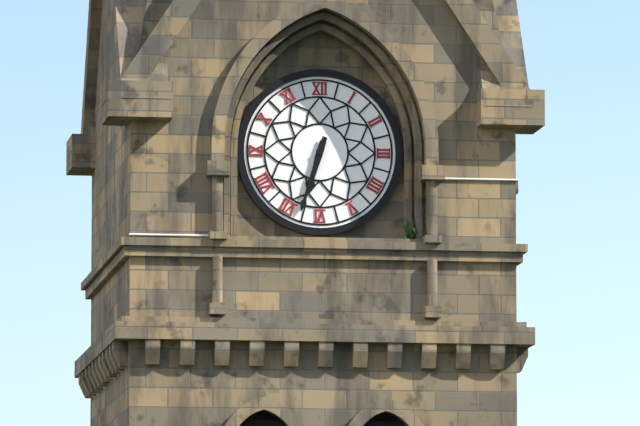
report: 6h33
